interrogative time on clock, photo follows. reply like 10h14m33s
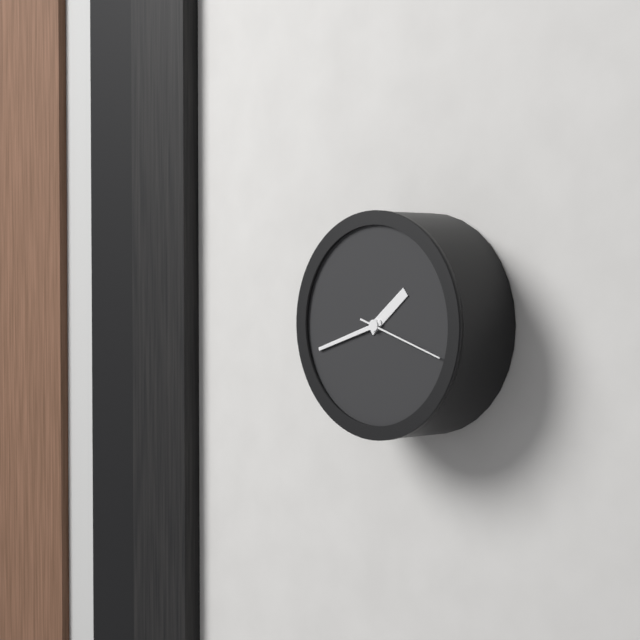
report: 1h42m18s
